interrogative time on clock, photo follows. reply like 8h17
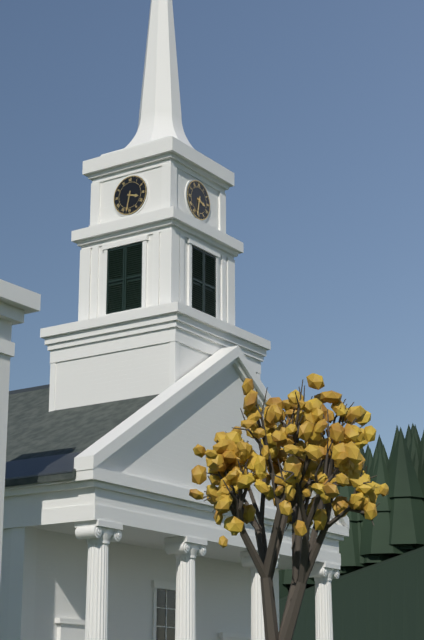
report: 3h32
